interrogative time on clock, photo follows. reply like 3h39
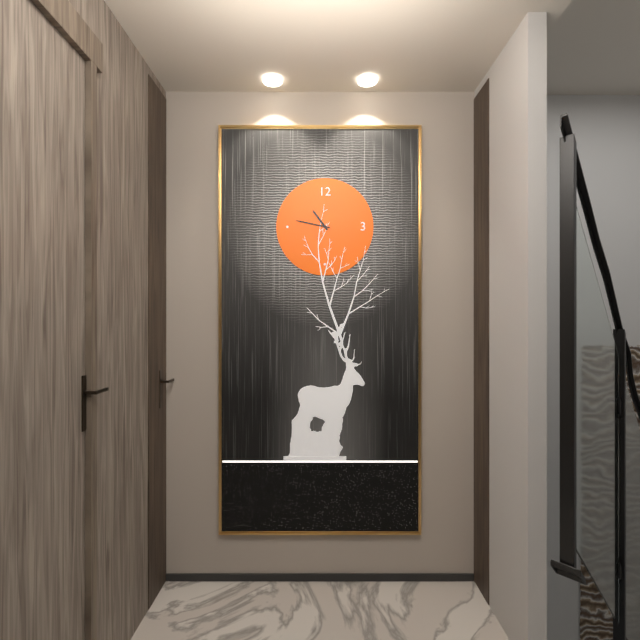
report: 10h47
